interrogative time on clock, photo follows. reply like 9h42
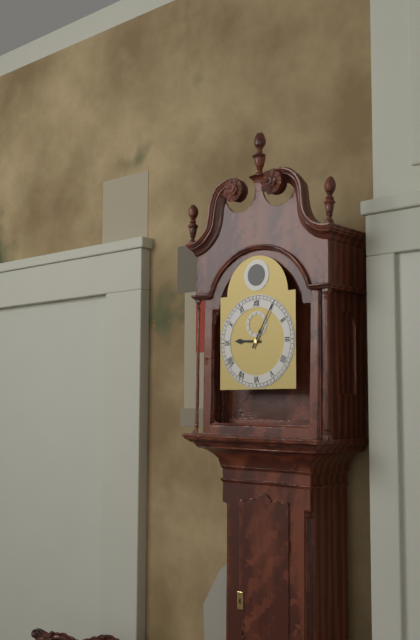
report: 9h05
